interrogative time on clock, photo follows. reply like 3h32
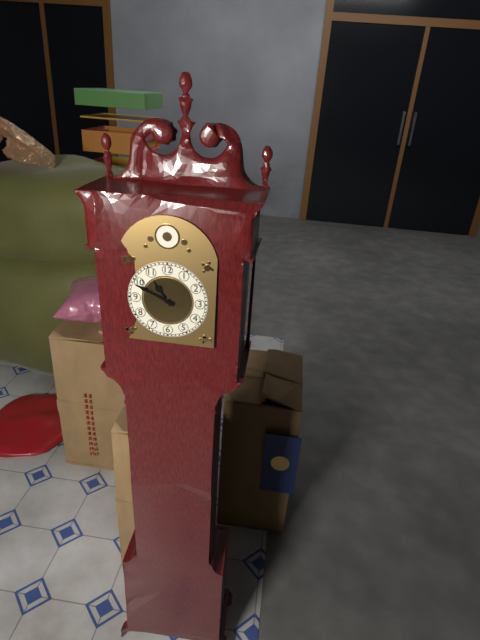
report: 10h49
